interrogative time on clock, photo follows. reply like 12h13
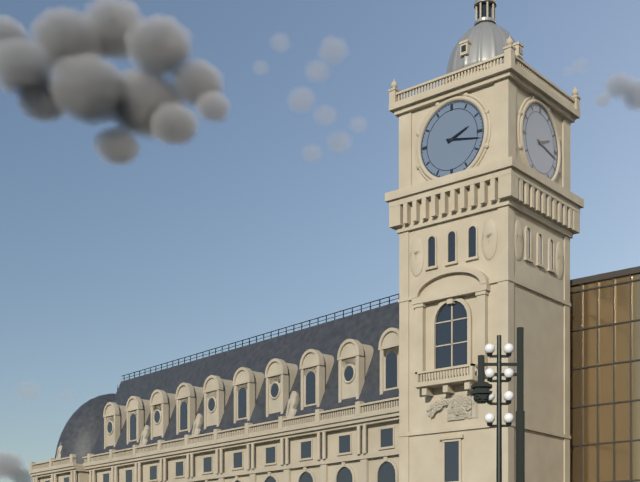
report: 2h17
